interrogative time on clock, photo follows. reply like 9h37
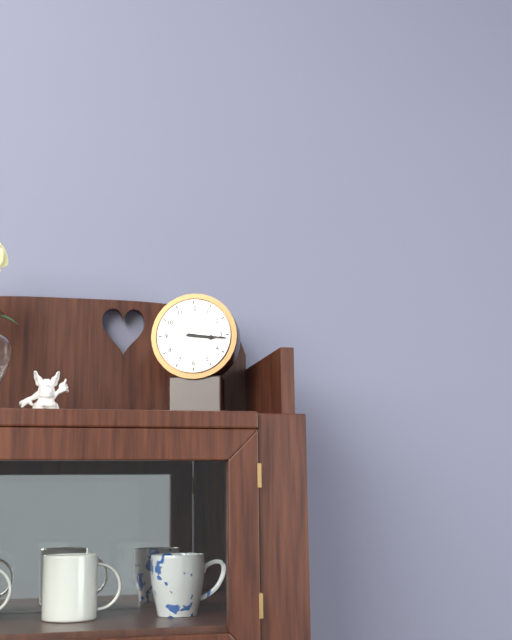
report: 3h16
